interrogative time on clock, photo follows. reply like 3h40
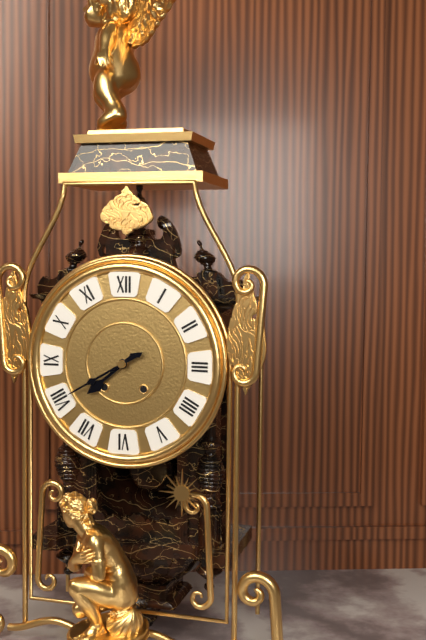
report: 7h40
